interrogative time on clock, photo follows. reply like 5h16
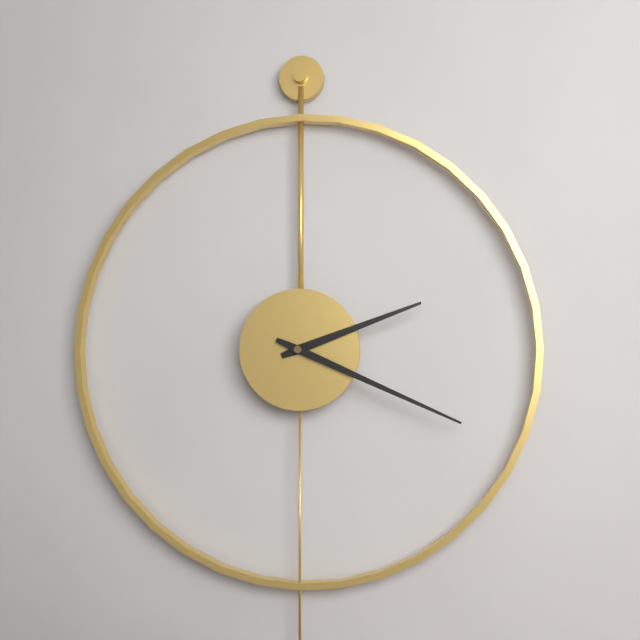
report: 2h19
